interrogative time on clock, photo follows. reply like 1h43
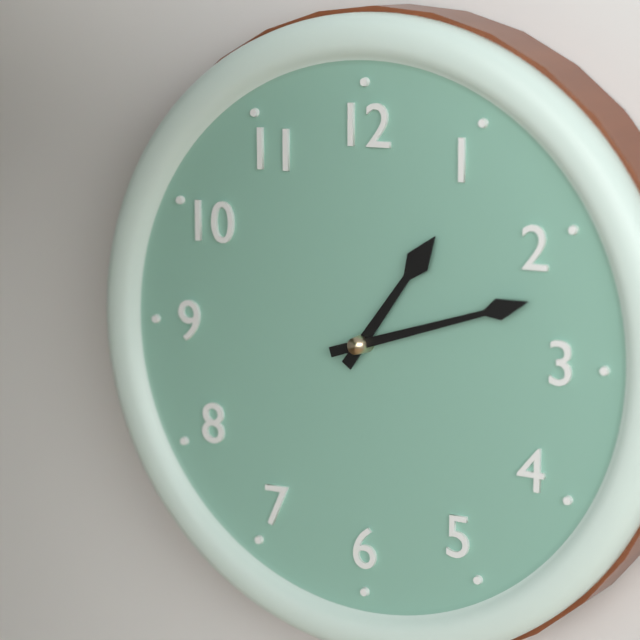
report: 1h12
